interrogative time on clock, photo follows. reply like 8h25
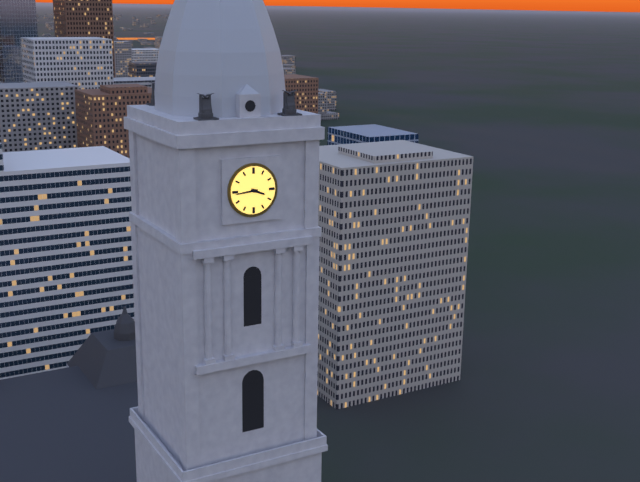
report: 3h44
